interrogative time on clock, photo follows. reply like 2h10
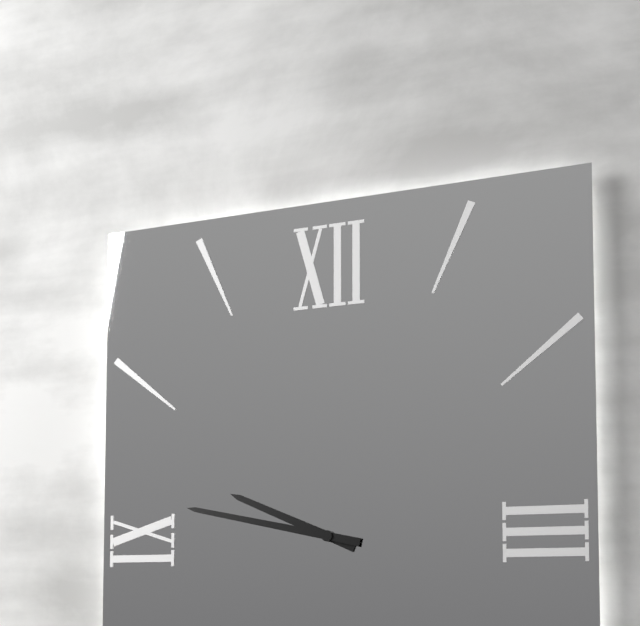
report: 9h47
